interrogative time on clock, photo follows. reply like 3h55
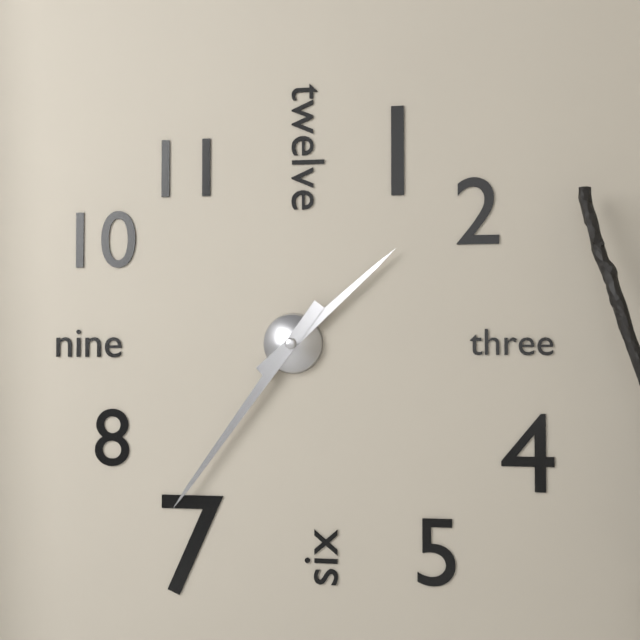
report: 1h36
